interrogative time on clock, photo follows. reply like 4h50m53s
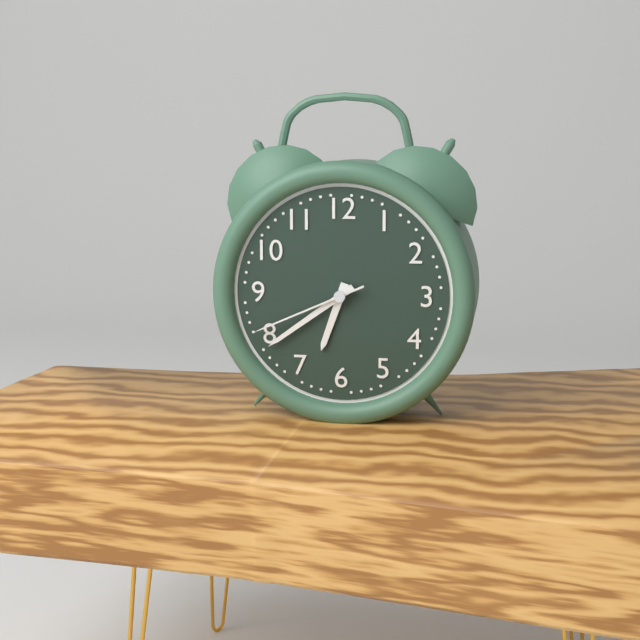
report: 6h39m41s
